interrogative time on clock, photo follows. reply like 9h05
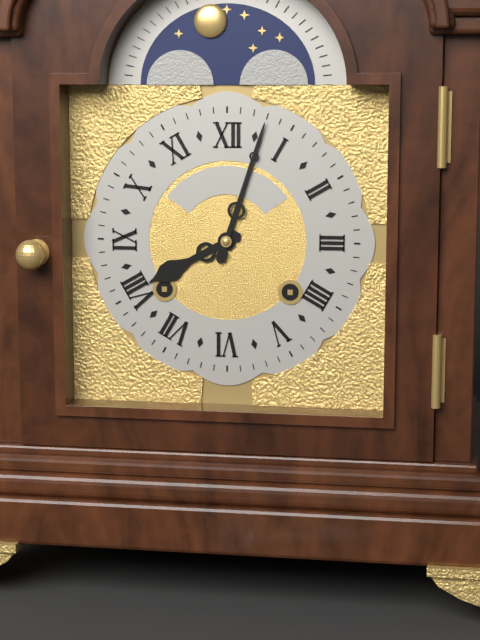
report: 8h03
